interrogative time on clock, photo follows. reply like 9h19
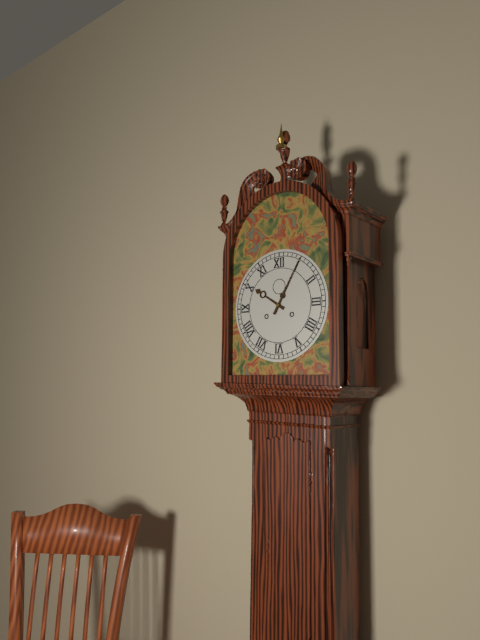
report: 10h05
